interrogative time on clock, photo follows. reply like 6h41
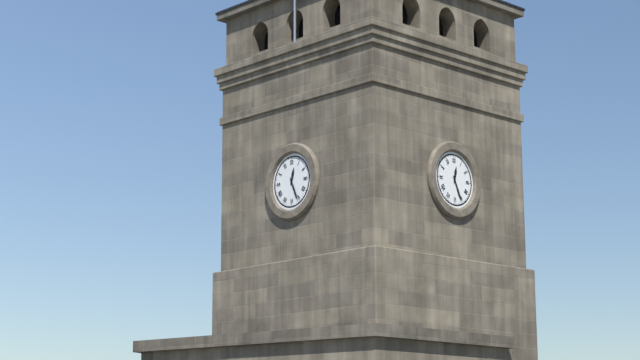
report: 12h26
